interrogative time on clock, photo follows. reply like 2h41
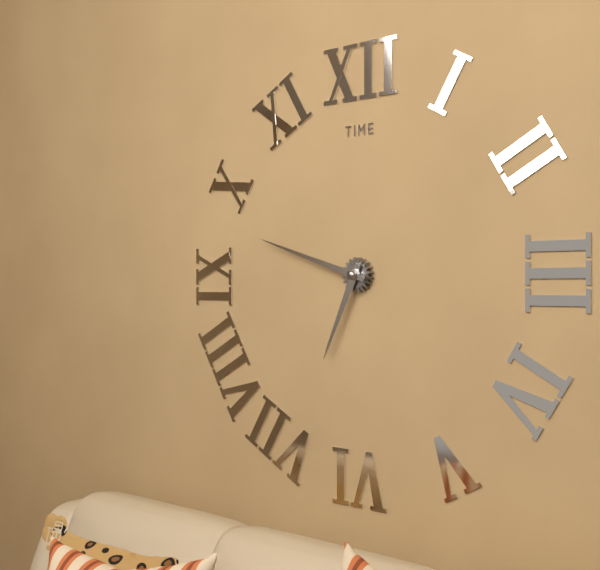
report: 6h48
